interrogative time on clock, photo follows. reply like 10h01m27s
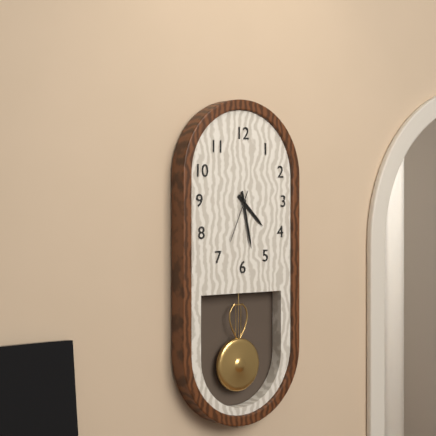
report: 4h28m34s
